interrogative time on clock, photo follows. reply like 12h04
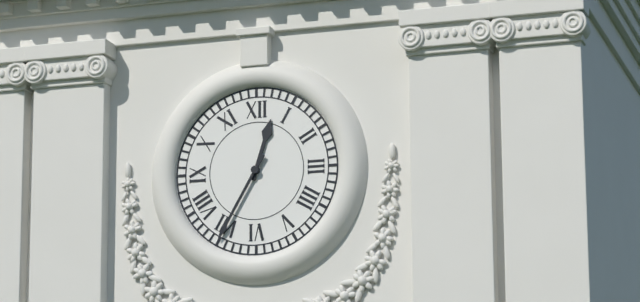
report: 12h35
